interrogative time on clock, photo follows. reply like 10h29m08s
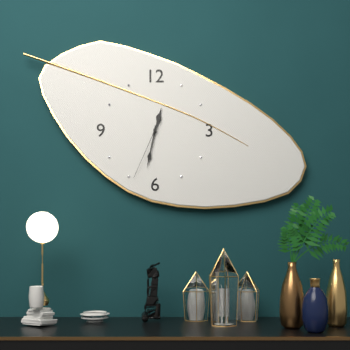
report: 12h32m34s
